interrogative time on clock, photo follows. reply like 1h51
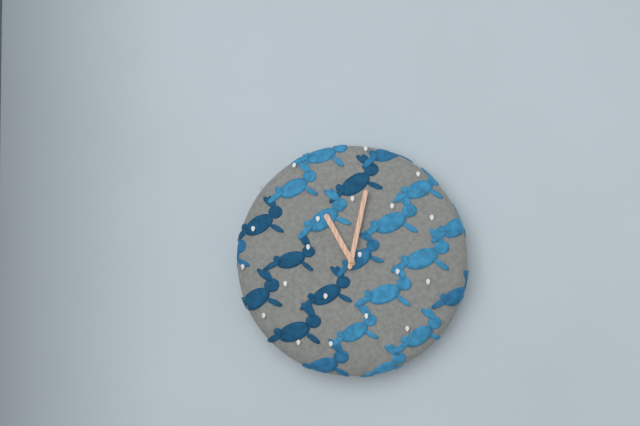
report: 11h02
